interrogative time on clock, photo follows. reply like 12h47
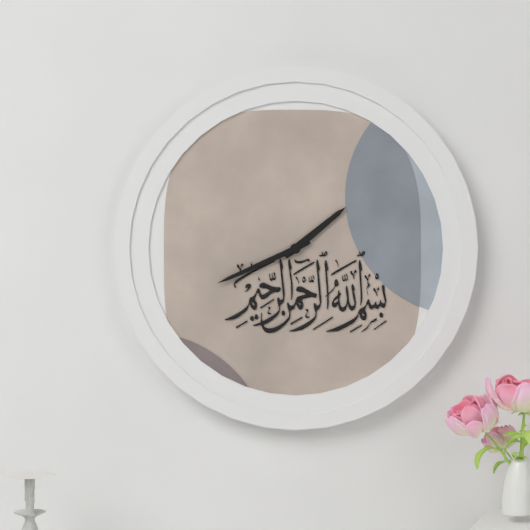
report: 1h41
